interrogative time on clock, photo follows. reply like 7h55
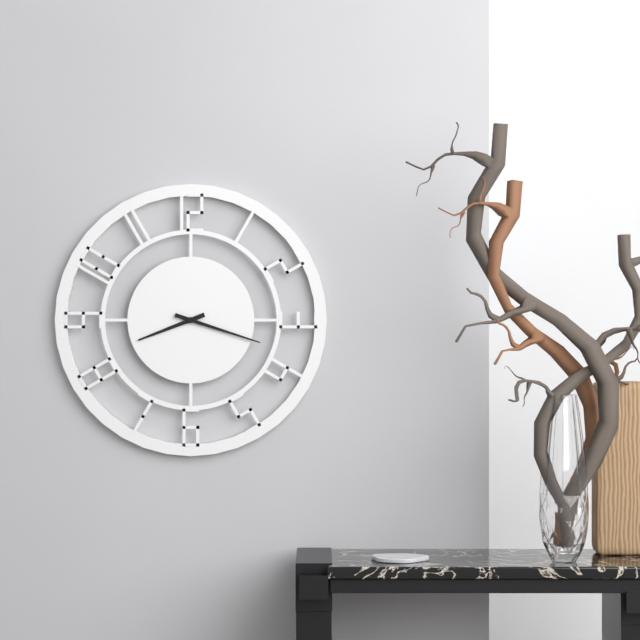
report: 8h18
